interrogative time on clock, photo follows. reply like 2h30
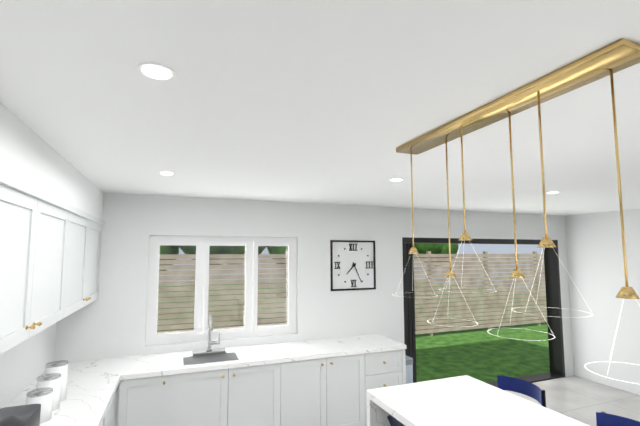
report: 7h26
